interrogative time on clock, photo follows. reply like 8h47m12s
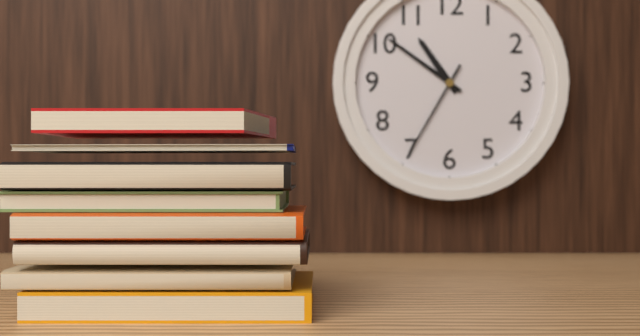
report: 10h51m35s
